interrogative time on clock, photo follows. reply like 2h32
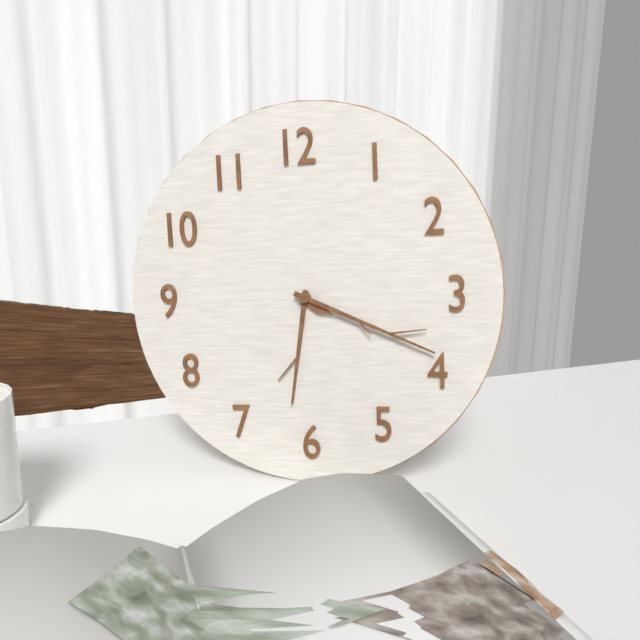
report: 6h19
